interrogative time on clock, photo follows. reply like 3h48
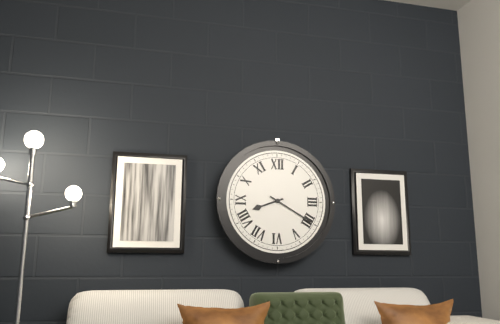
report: 8h20
